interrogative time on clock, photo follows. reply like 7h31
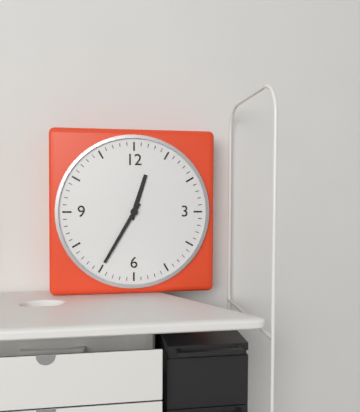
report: 12h35
